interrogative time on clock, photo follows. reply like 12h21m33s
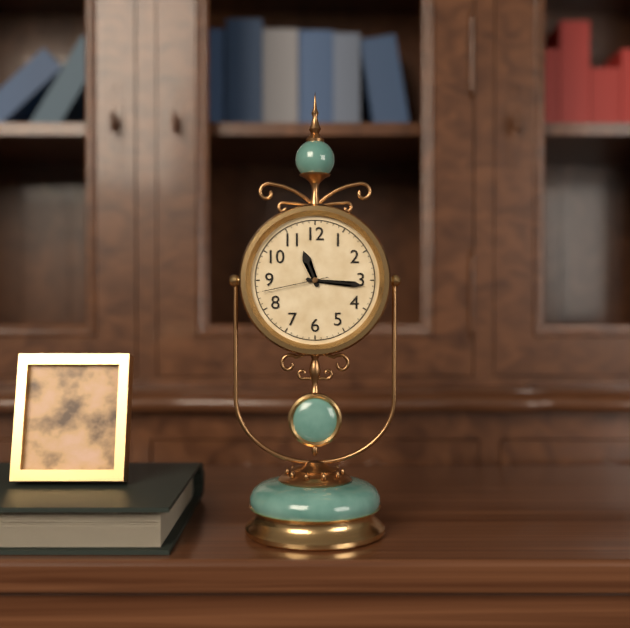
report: 11h16m43s
